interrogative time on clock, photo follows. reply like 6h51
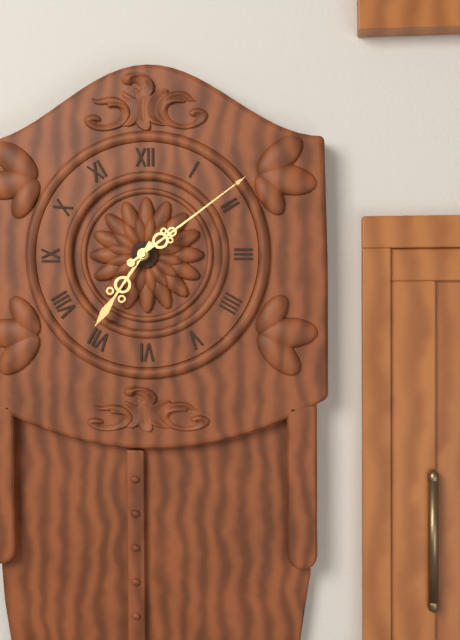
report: 7h09
